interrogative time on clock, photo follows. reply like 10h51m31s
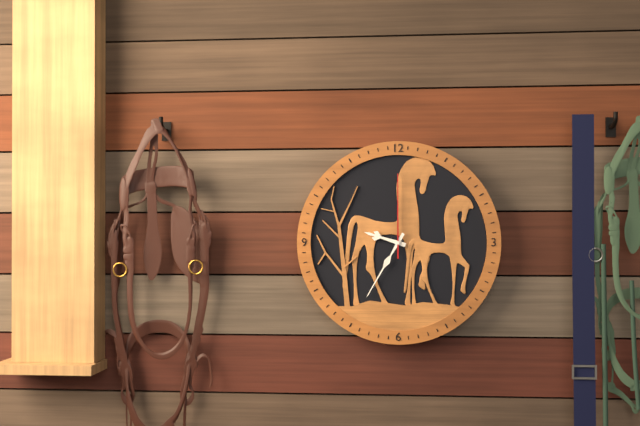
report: 9h35m00s
